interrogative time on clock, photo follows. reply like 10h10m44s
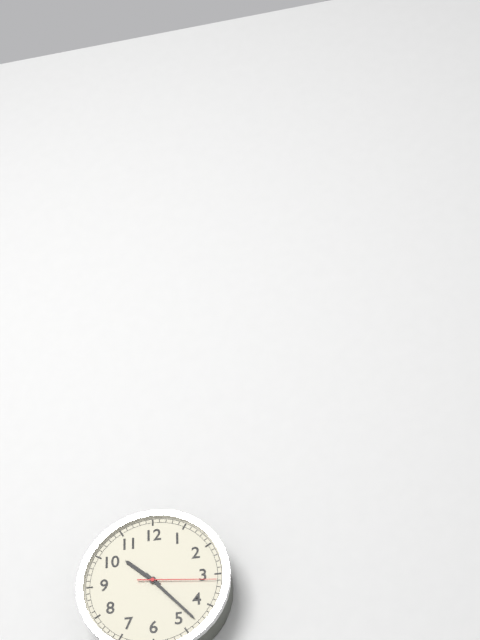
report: 10h23m16s
